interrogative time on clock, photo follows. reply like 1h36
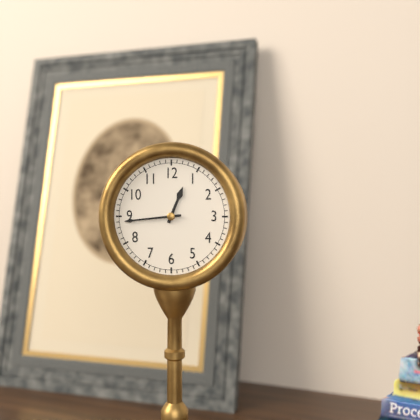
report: 12h44
